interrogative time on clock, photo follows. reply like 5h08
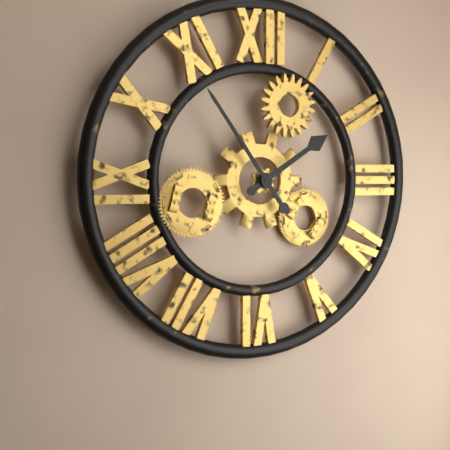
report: 1h54
